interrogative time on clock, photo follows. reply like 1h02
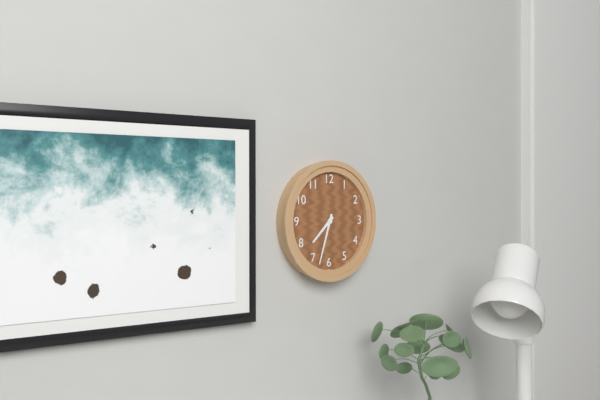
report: 7h33
